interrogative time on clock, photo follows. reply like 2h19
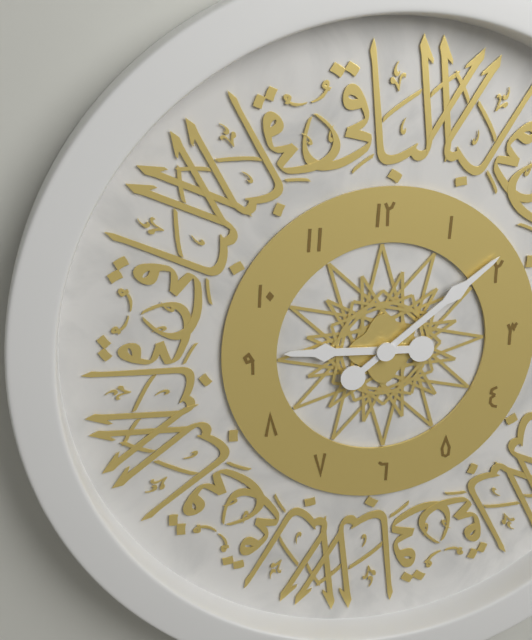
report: 9h09
